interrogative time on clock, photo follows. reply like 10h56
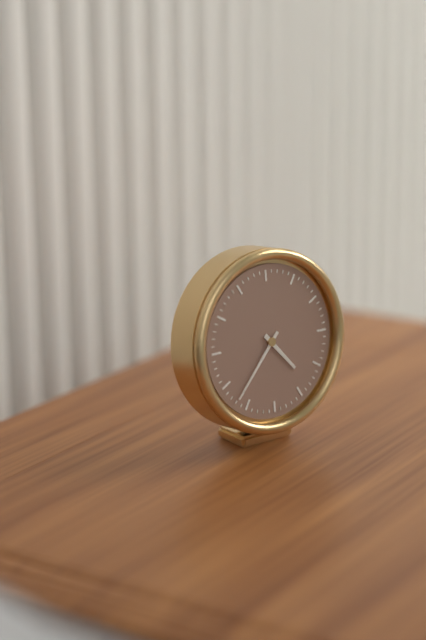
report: 4h37
